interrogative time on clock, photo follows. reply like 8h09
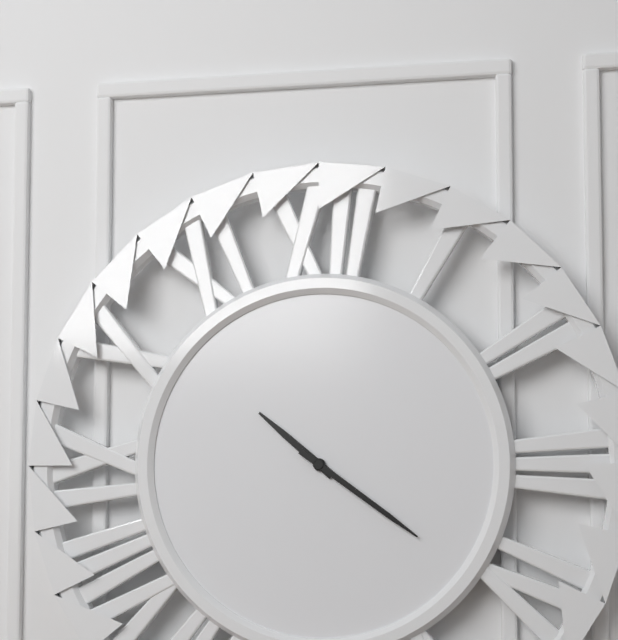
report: 10h21
